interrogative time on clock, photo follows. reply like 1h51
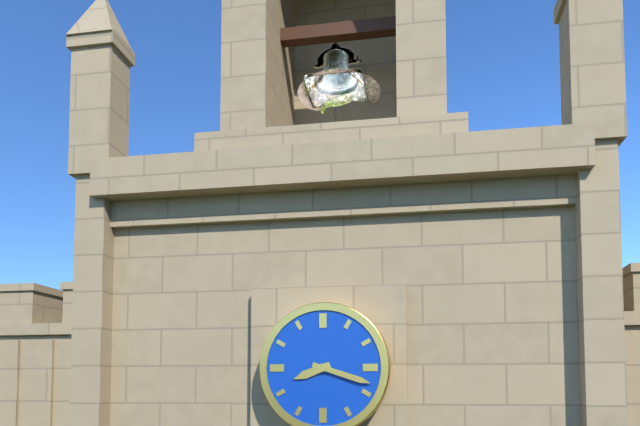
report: 8h18
